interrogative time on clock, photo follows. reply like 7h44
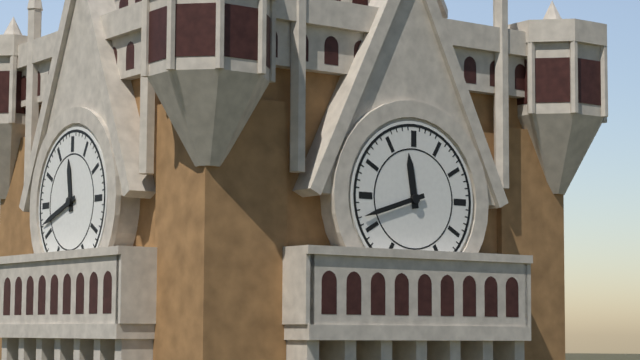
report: 11h42
